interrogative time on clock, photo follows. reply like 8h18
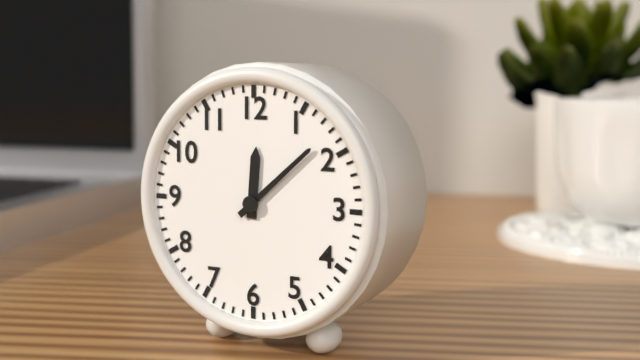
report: 12h08
